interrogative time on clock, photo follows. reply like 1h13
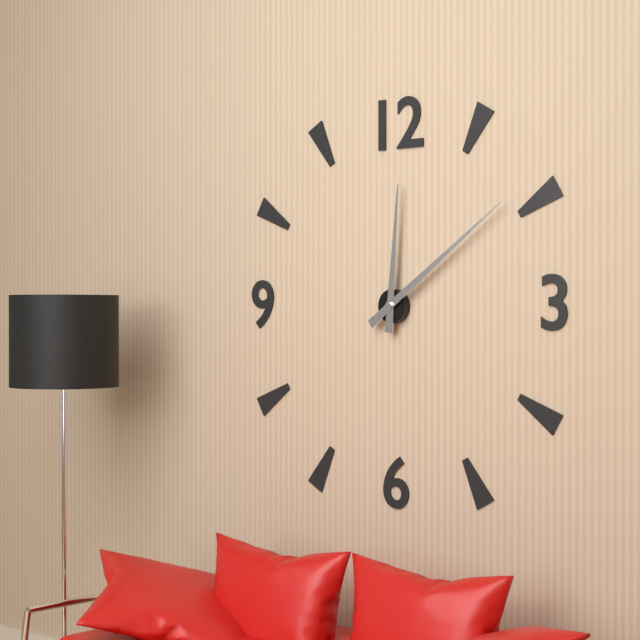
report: 12h09
